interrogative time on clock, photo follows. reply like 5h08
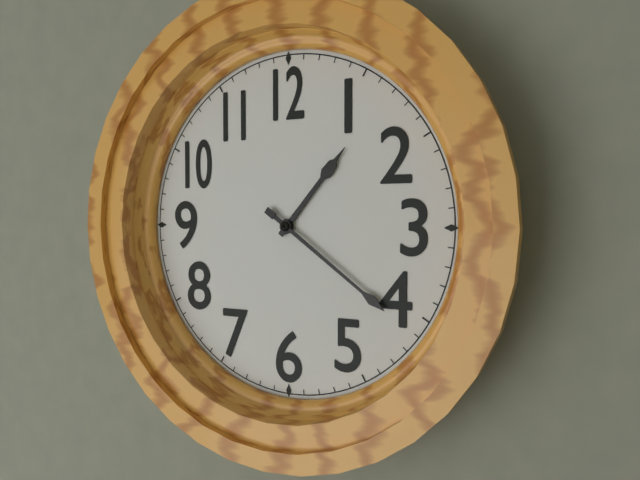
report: 1h21
